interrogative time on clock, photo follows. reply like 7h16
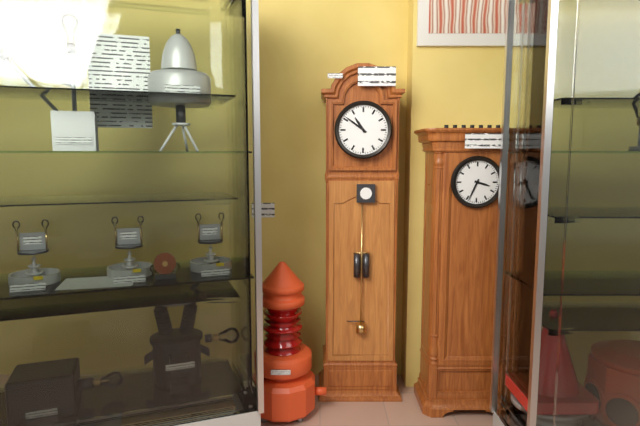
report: 10h51
